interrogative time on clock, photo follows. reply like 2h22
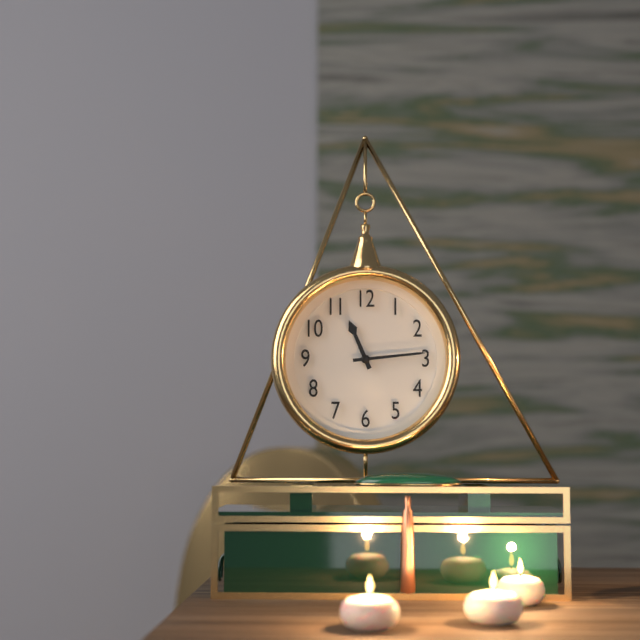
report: 11h14
